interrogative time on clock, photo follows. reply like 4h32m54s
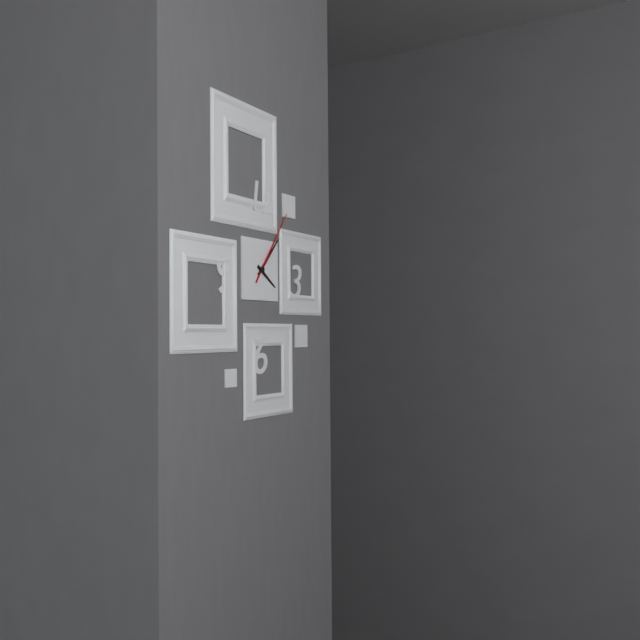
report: 4h07m06s
